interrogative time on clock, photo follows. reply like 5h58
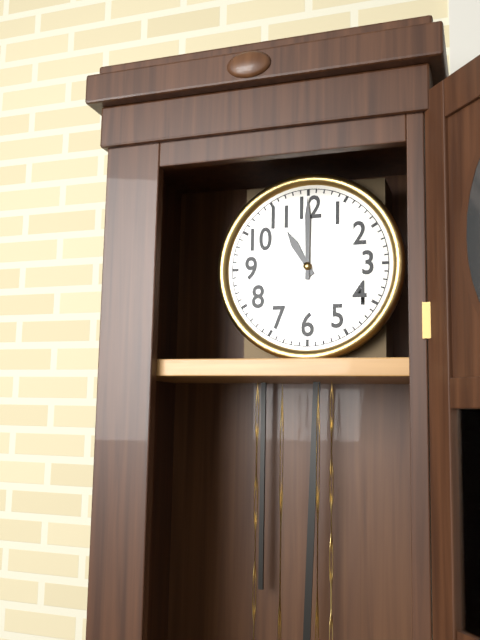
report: 11h00
